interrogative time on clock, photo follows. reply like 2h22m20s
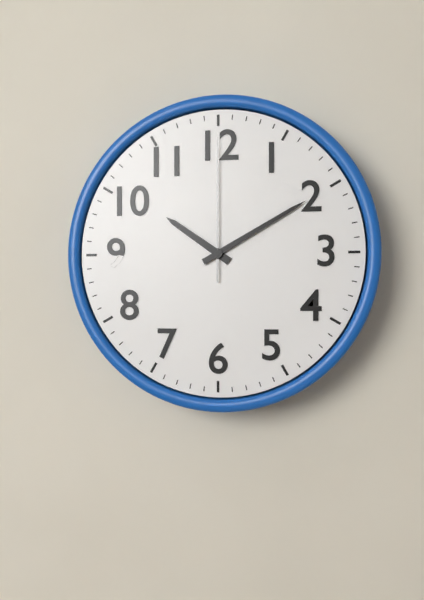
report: 10h10m00s
